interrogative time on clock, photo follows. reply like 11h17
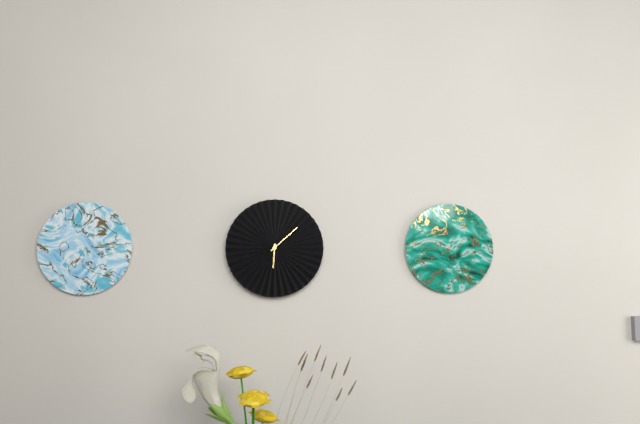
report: 6h08
